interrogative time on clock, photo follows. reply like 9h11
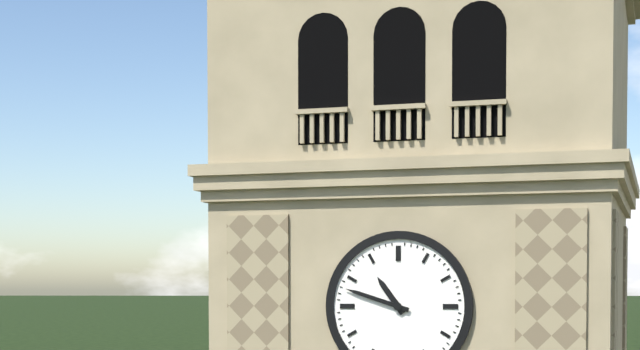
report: 10h48
